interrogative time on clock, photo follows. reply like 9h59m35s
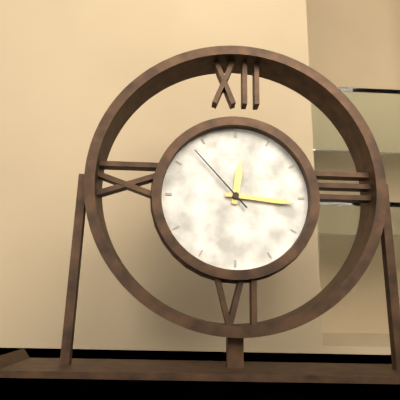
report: 12h16m53s
